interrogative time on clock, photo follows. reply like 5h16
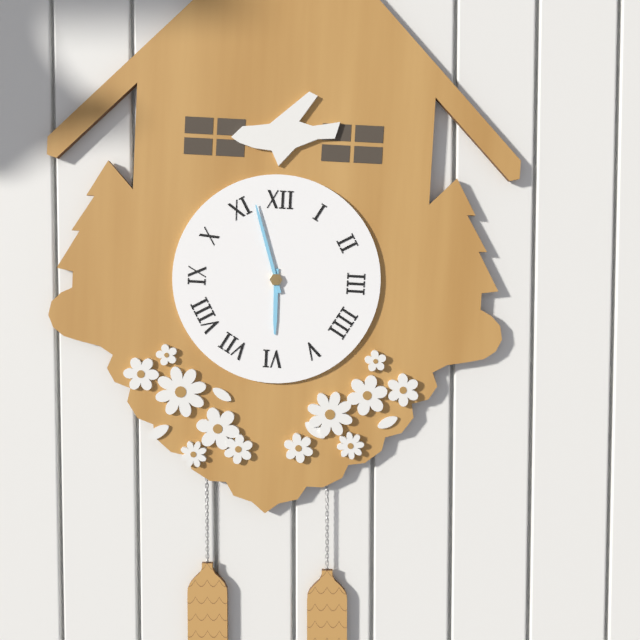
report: 5h57
